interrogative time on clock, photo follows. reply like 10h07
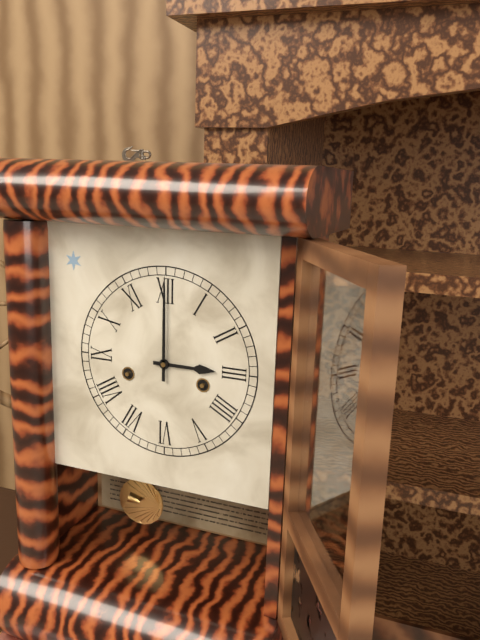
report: 3h00
